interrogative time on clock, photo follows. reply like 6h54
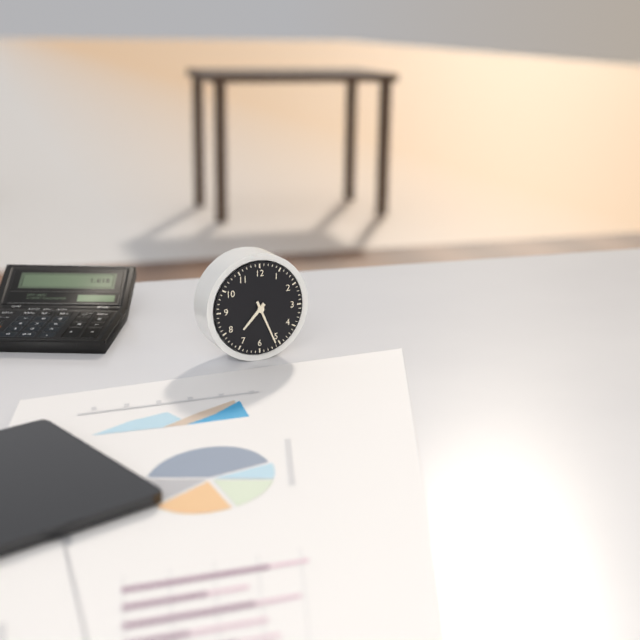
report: 7h26
